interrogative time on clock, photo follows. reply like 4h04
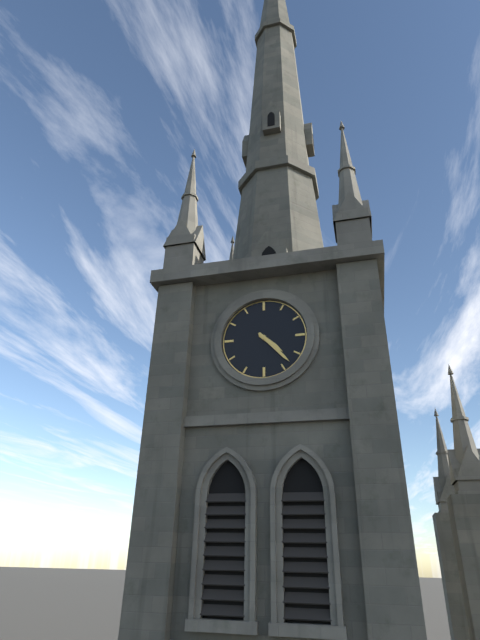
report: 4h23
